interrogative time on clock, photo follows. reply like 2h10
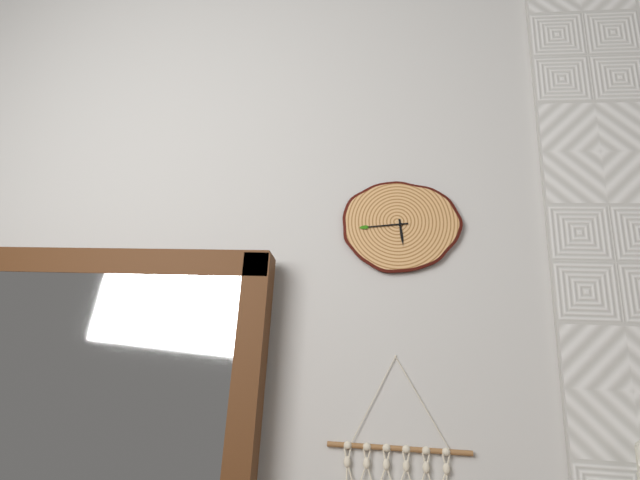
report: 5h44
